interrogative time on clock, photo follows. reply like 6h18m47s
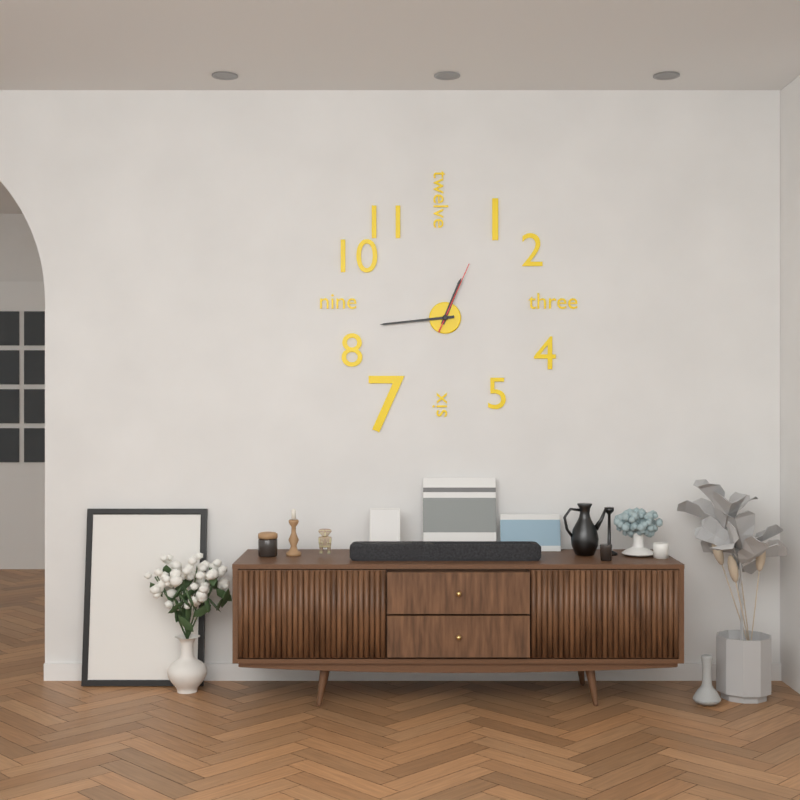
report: 12h44m04s
